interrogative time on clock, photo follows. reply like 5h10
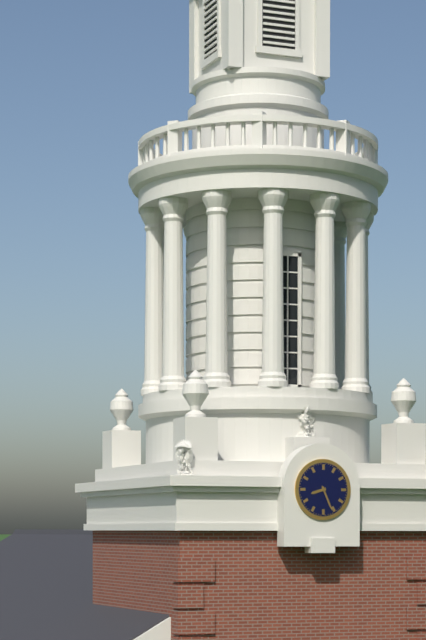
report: 8h26
